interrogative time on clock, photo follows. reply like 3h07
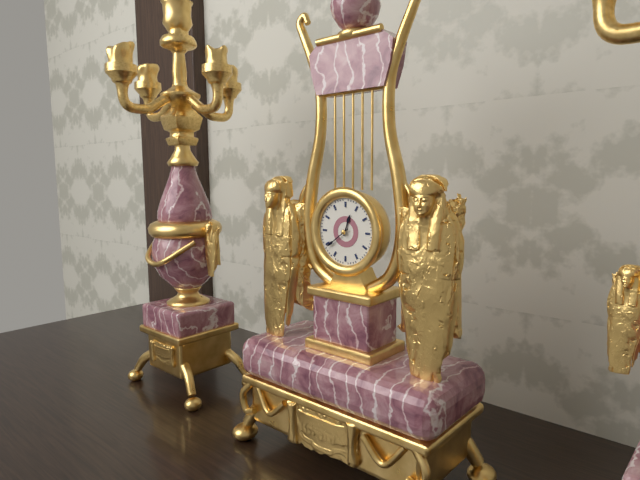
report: 12h39
